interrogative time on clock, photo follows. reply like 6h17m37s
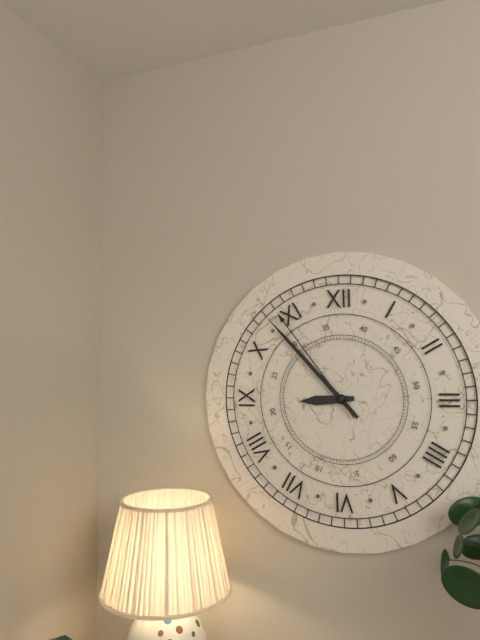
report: 8h53m54s
